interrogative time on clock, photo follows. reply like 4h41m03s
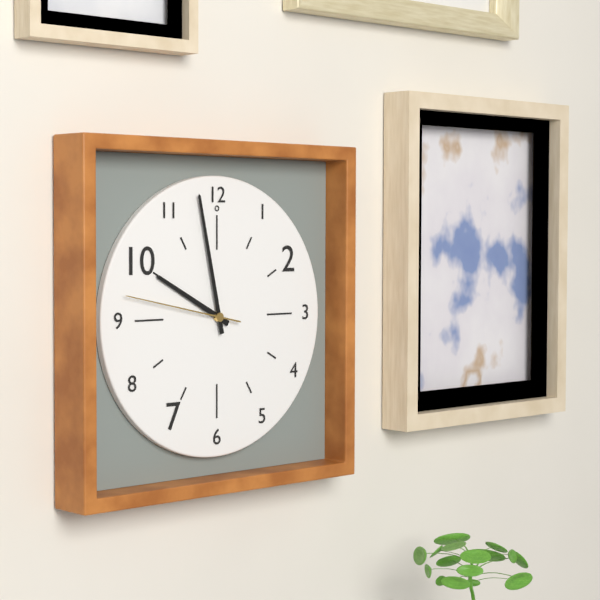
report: 9h58m47s
